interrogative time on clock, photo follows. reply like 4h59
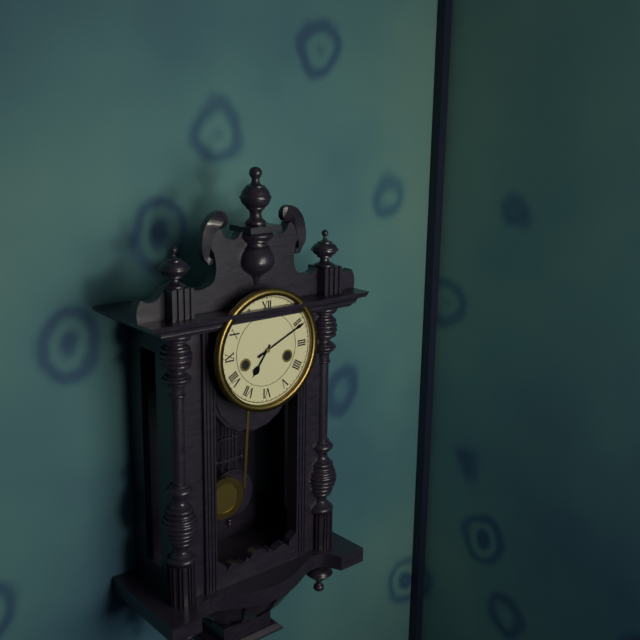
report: 7h11
